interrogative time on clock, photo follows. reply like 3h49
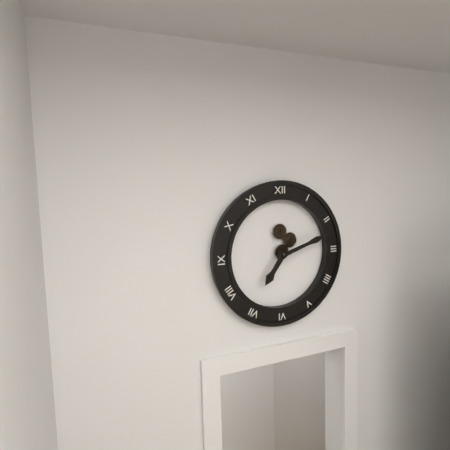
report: 7h12
